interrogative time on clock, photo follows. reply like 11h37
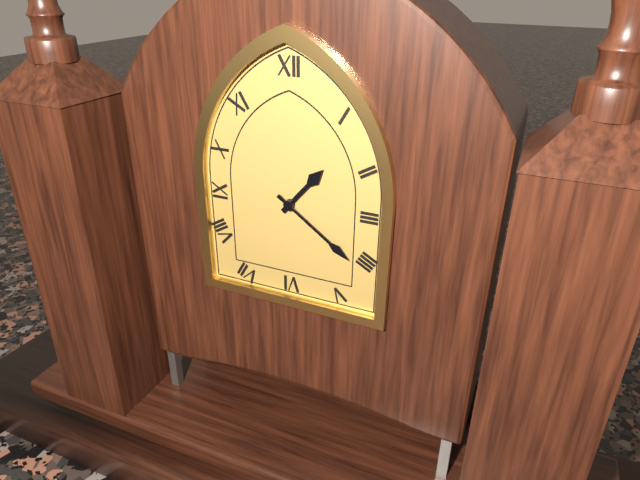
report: 1h21
